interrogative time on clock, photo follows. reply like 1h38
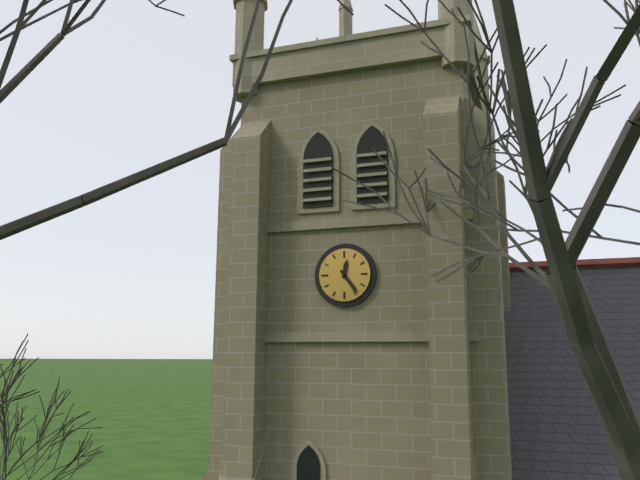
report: 12h24
